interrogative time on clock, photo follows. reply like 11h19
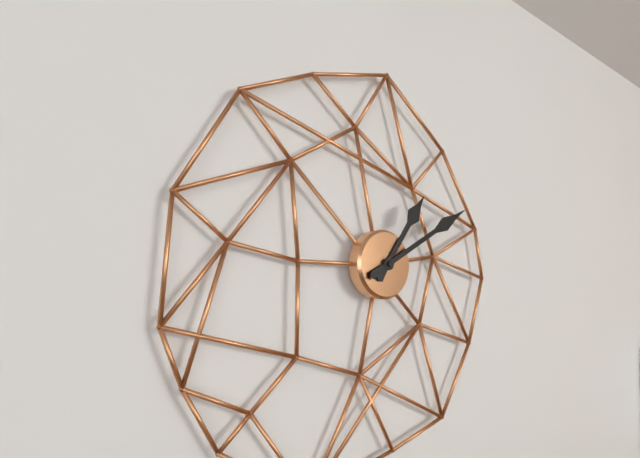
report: 1h10
